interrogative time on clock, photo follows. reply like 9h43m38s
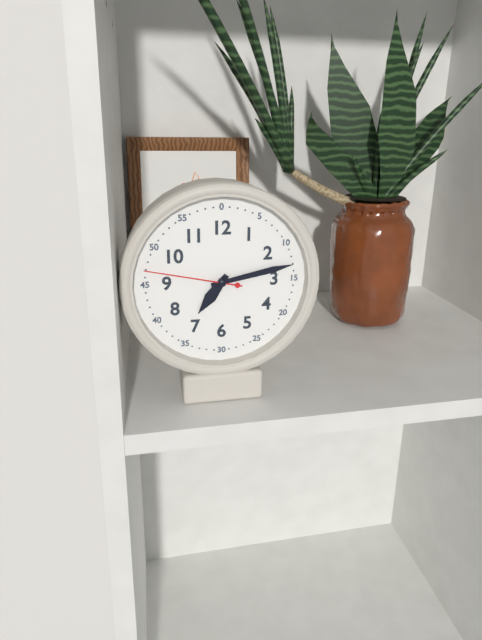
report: 7h13m47s
